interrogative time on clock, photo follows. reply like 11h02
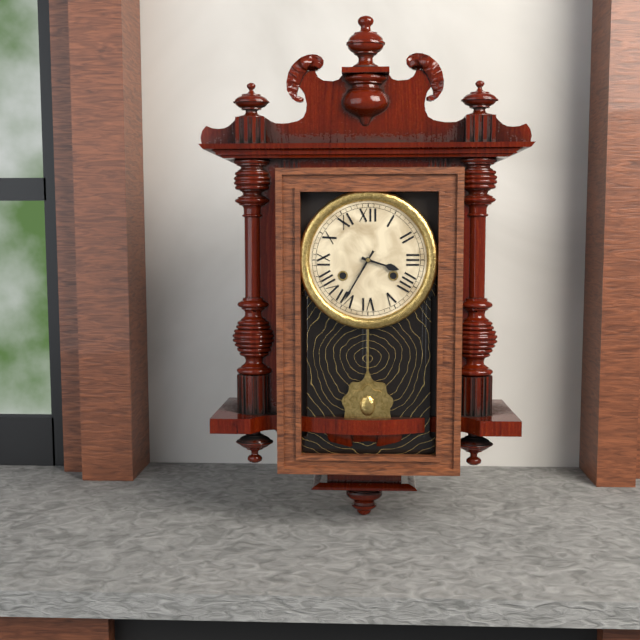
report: 3h35
